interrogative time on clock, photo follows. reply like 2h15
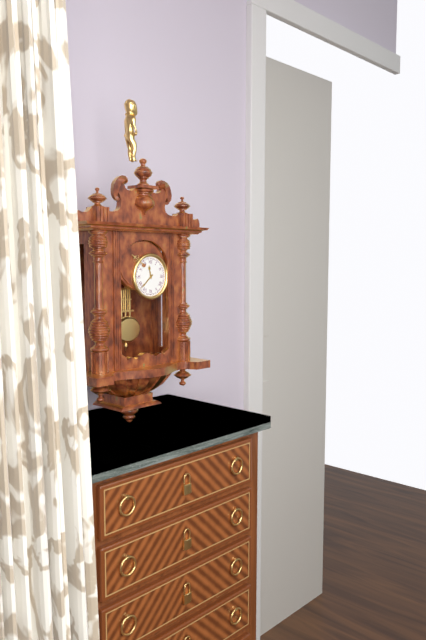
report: 11h38
